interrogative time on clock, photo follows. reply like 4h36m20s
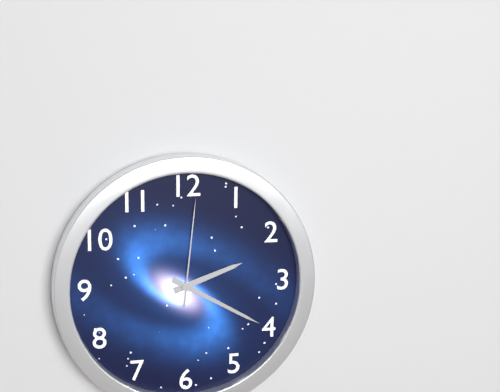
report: 2h20m01s
